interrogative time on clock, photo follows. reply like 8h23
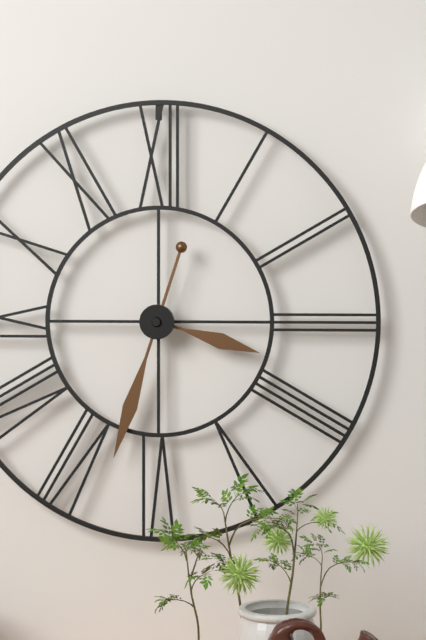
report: 3h33
